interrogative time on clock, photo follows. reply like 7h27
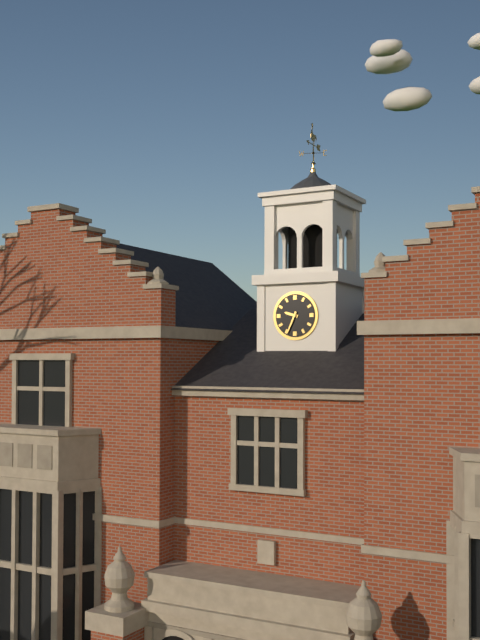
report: 9h34
